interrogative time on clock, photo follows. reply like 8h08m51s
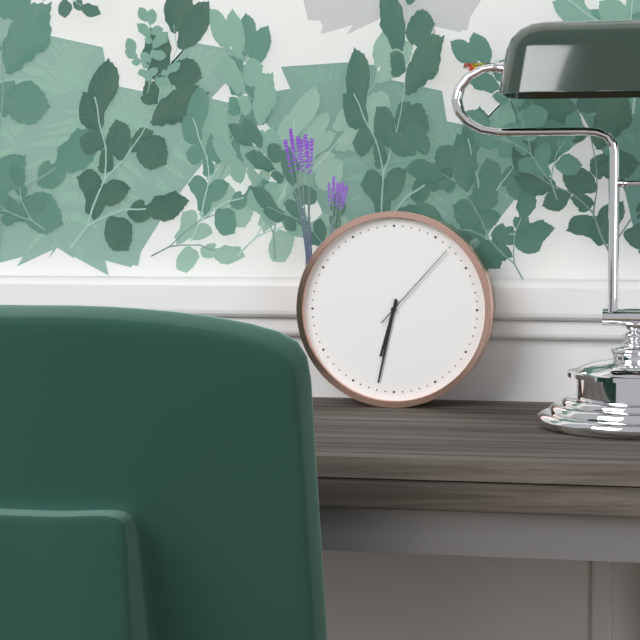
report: 6h32m07s
